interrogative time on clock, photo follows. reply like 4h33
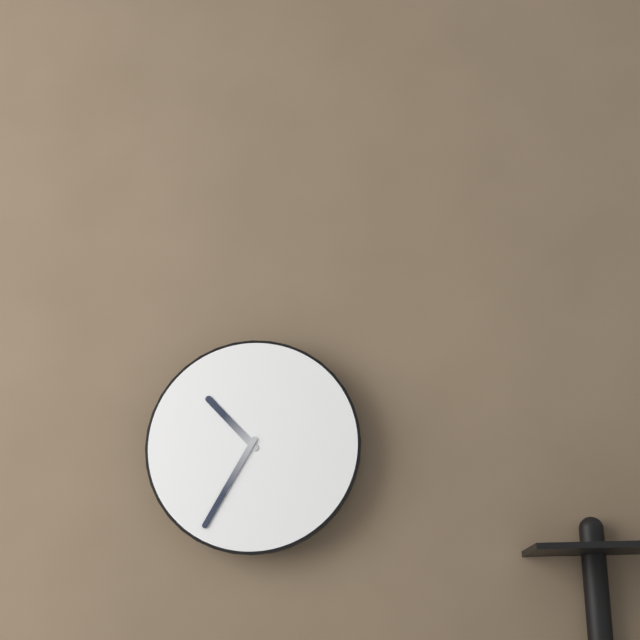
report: 10h35
